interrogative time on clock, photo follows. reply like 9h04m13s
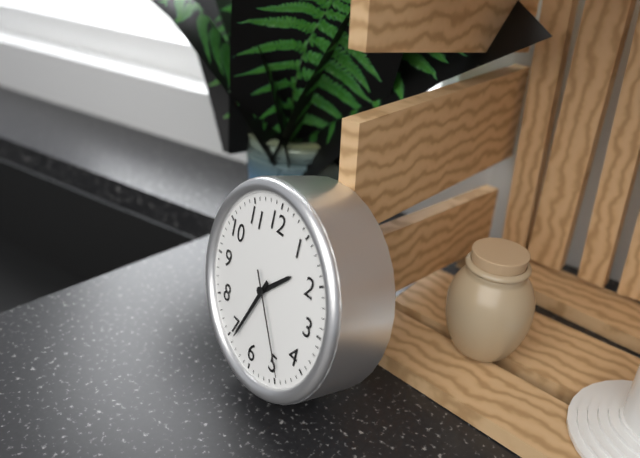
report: 1h34m24s
